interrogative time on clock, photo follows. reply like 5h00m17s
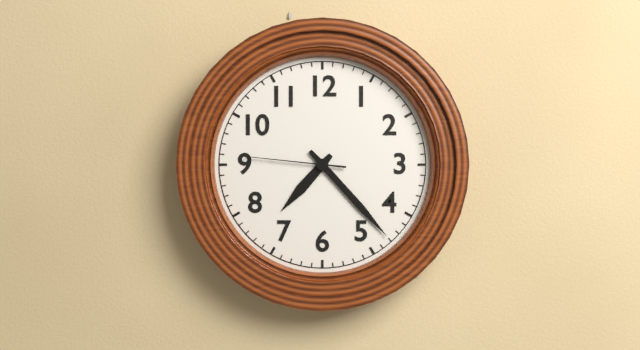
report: 7h23m46s
